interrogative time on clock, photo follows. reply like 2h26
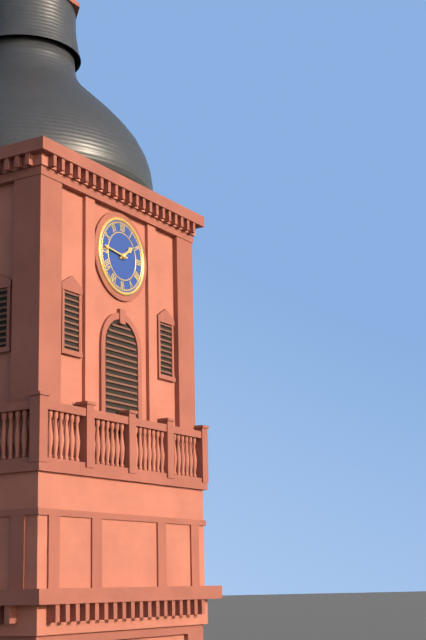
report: 1h46
